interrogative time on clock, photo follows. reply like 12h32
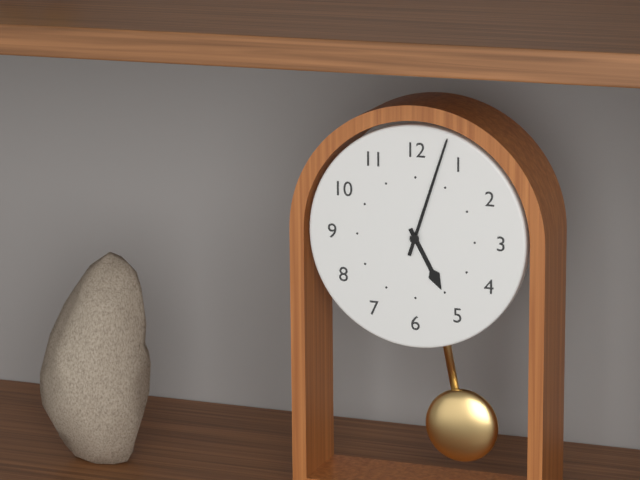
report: 5h03
